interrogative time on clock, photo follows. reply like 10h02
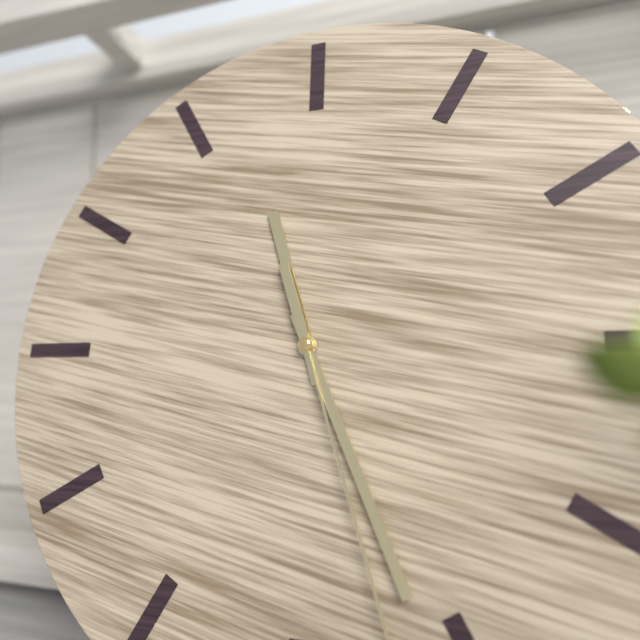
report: 11h26
